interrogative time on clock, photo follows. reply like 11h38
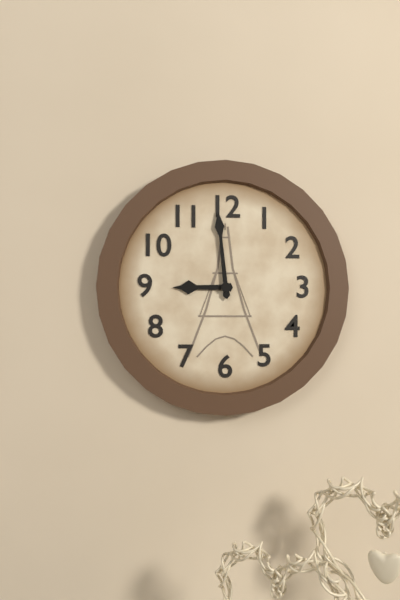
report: 8h59
